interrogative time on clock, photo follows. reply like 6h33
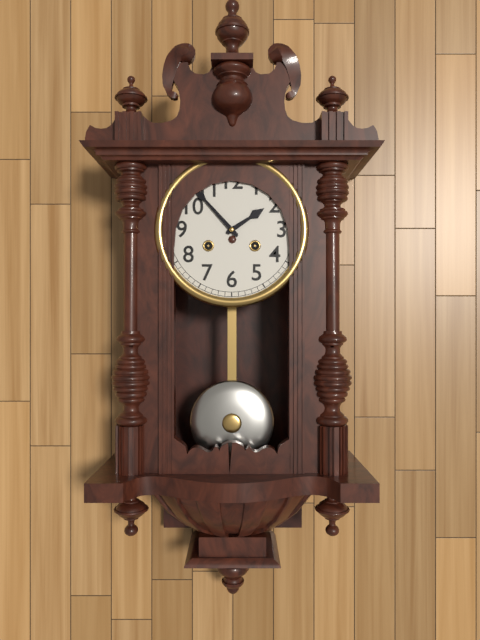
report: 1h53
